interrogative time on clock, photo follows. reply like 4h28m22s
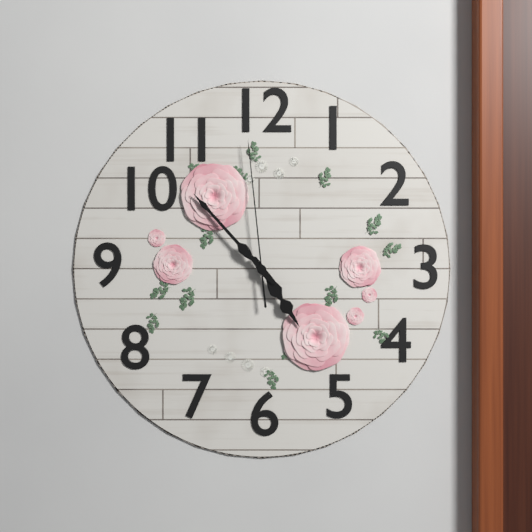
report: 4h53m59s
